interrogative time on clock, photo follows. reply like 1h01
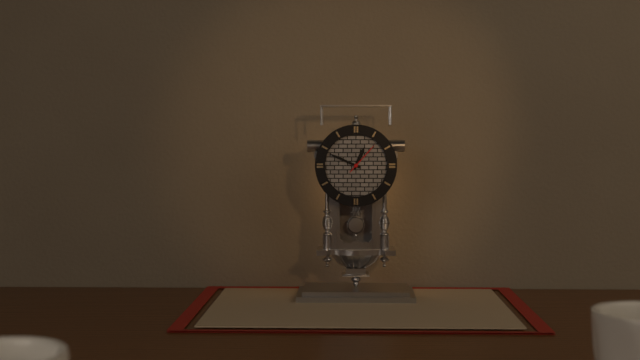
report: 12h49
